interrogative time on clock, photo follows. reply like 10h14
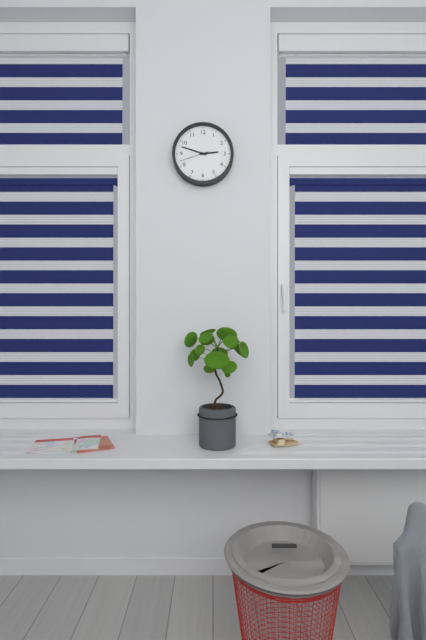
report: 2h48
